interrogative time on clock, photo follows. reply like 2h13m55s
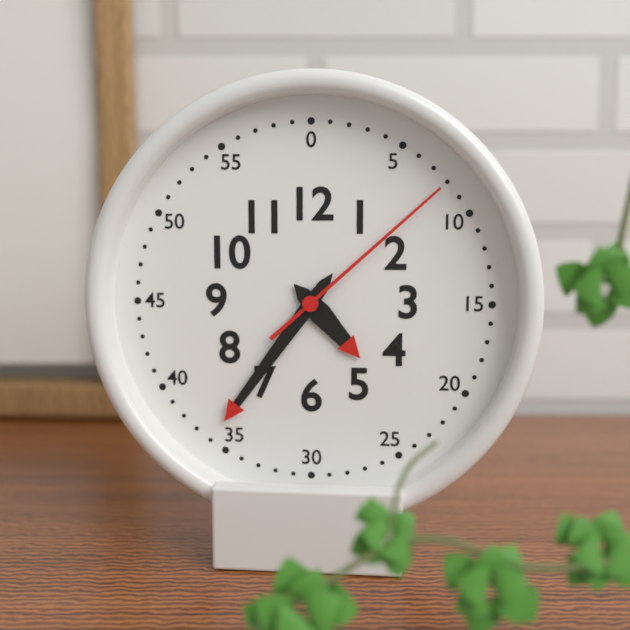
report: 4h36m08s
